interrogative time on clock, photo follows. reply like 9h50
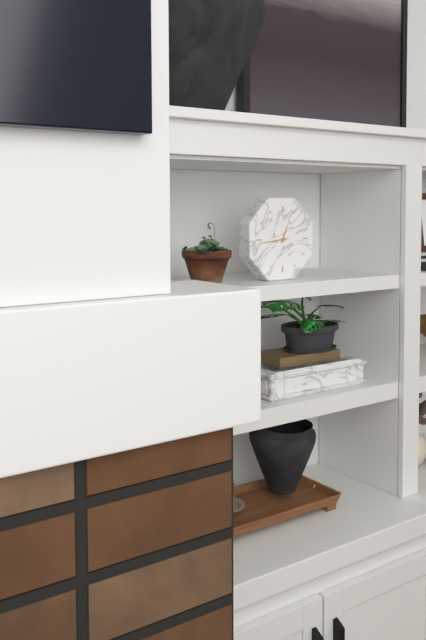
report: 12h44
